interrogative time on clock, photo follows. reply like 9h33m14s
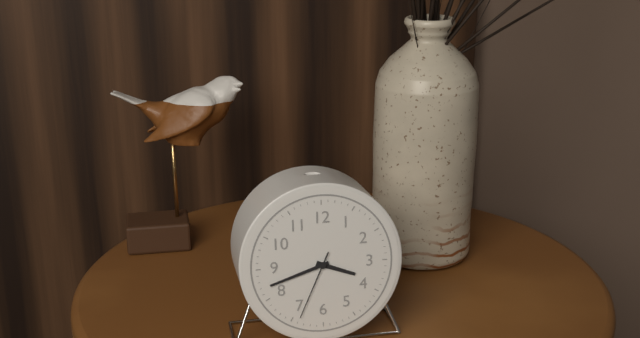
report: 3h42m34s
